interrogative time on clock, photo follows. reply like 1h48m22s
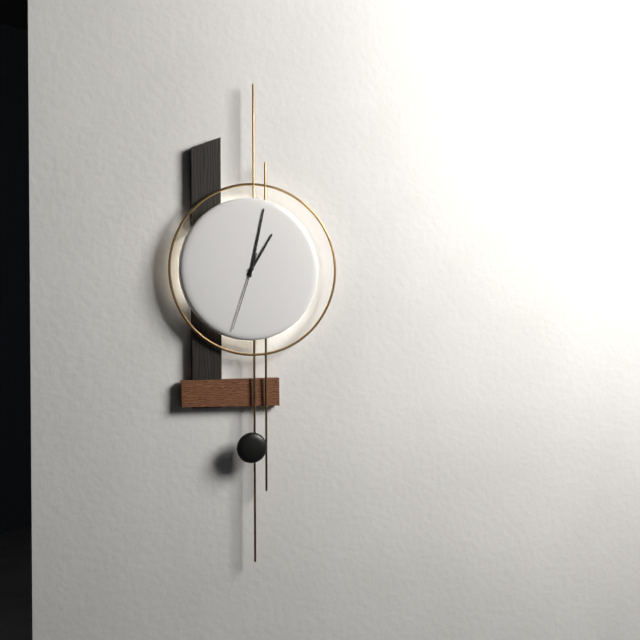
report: 1h02m33s
